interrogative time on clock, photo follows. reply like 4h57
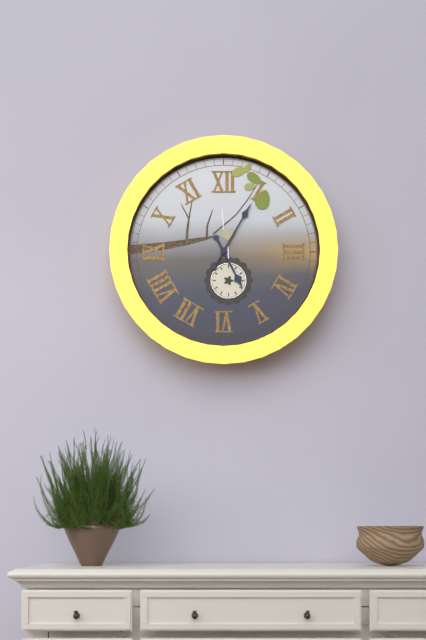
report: 5h05
